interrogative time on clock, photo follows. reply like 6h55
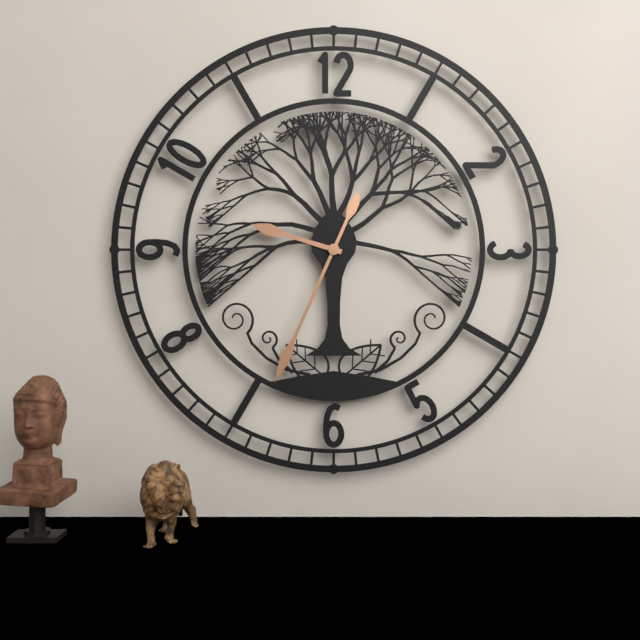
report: 9h34
